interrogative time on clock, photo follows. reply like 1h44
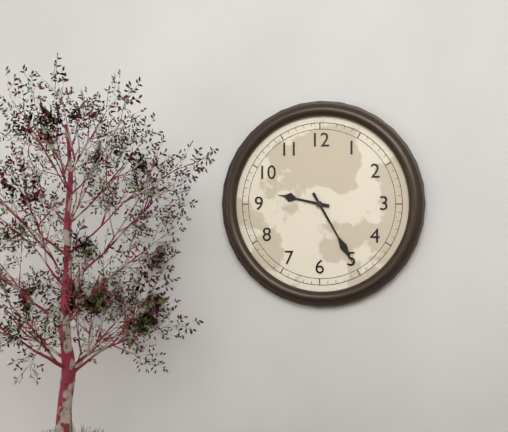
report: 9h25
